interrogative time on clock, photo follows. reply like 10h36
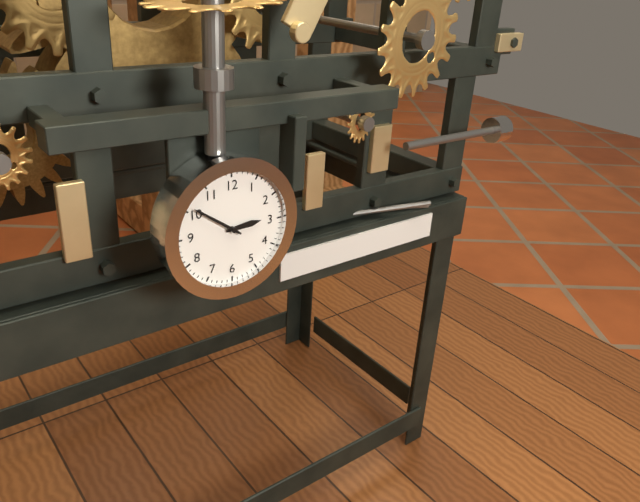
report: 2h51
